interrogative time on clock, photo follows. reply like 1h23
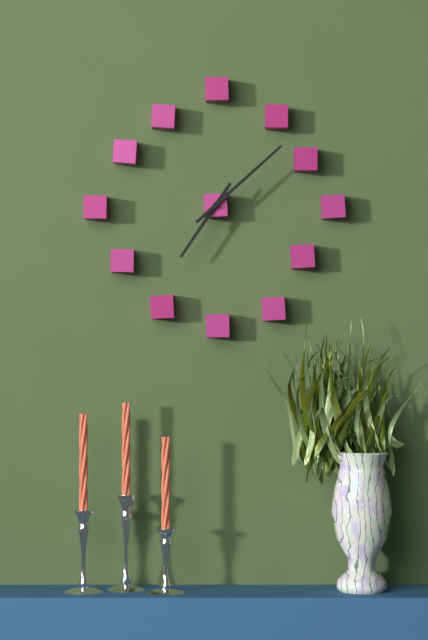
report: 7h08
